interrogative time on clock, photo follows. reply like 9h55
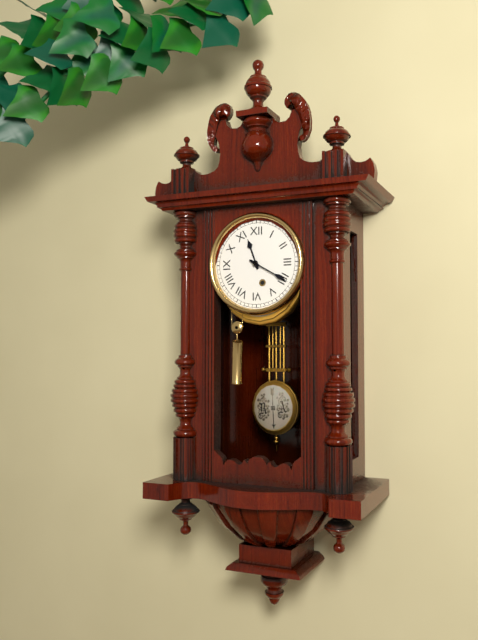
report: 11h20
